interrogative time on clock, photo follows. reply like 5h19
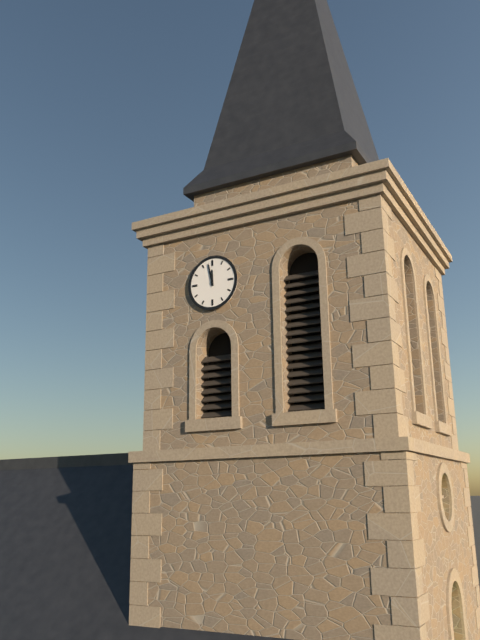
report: 11h58
